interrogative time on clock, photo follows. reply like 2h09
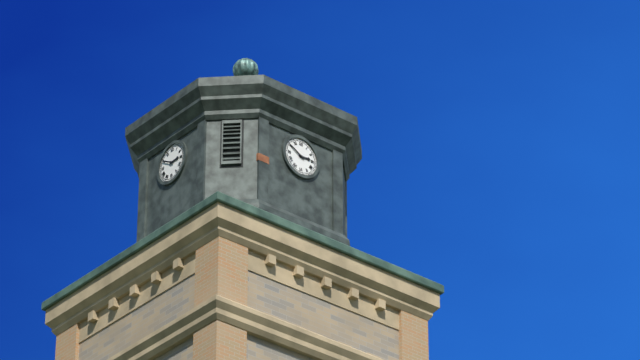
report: 2h50
